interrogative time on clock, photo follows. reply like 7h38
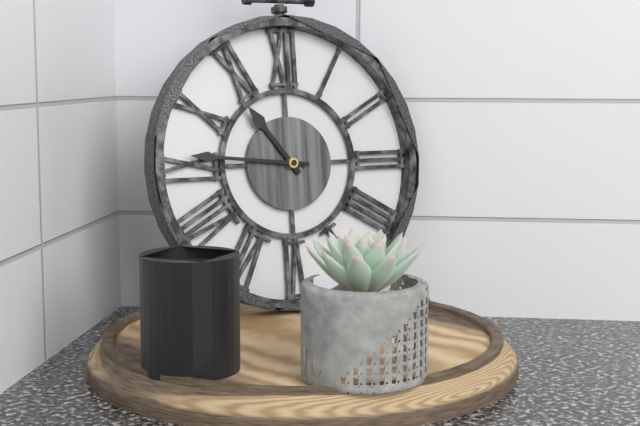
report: 10h46
